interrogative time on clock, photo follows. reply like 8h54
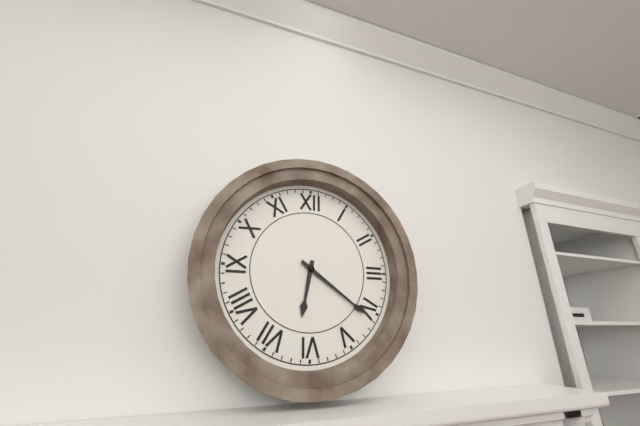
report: 6h21
